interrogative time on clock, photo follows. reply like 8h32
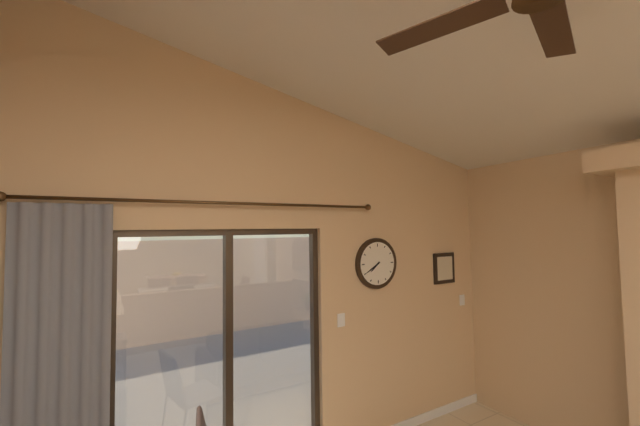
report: 7h40
